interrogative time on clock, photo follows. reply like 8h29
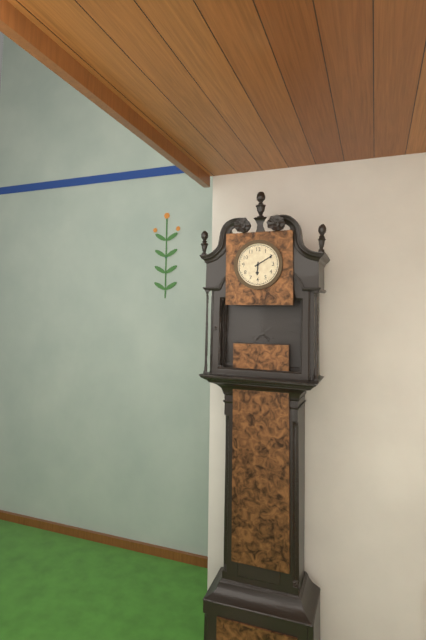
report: 6h10
